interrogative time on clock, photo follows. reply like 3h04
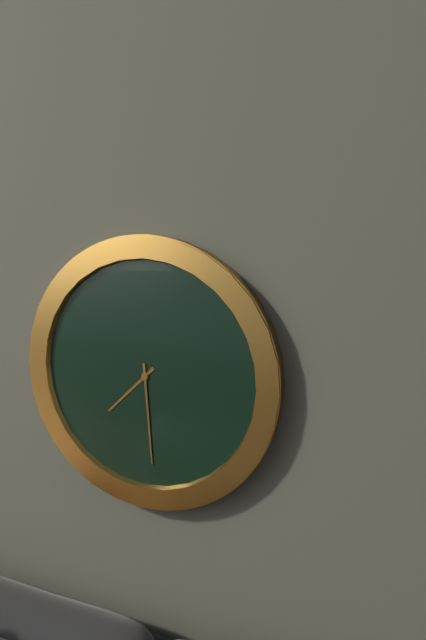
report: 7h29
